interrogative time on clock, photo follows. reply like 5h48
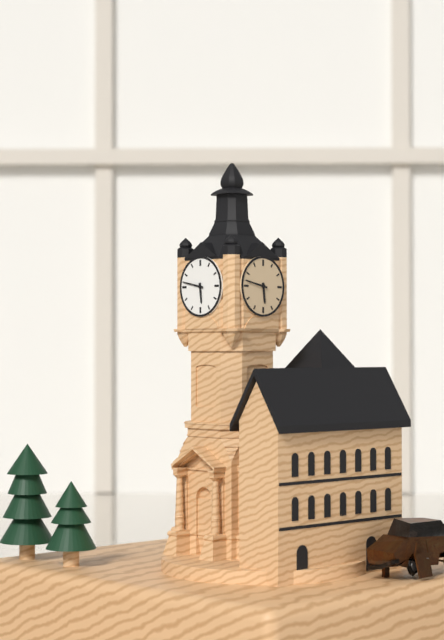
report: 5h47
